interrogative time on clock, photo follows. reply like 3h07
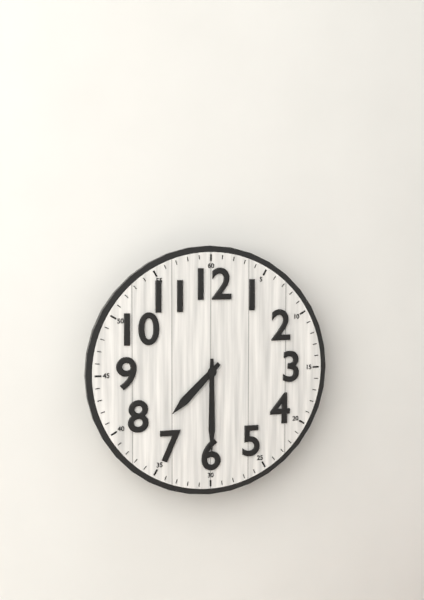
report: 7h30
